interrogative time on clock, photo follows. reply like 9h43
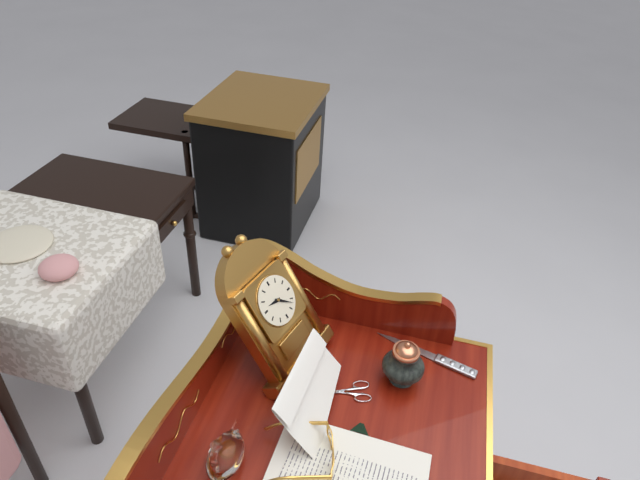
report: 9h22
